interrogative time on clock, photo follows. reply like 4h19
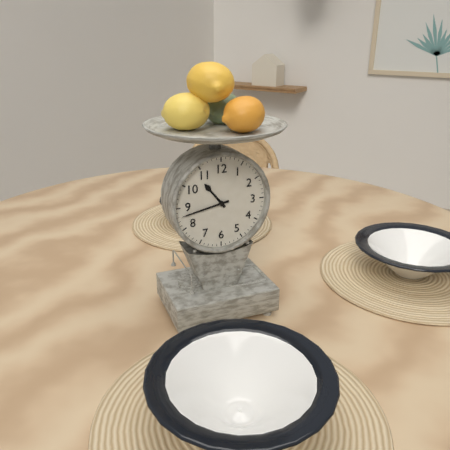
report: 10h43
